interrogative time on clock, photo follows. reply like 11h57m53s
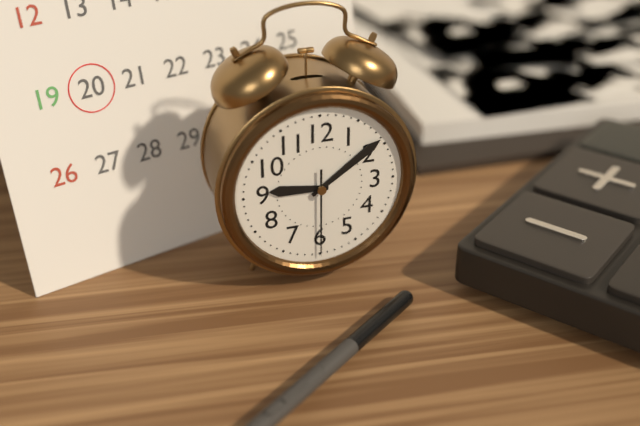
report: 9h09m30s
